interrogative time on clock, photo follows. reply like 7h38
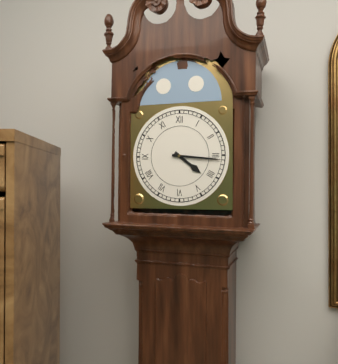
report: 4h16
